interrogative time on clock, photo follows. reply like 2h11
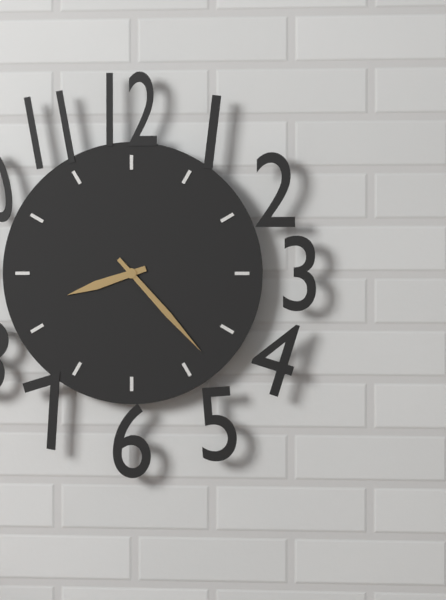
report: 8h23
